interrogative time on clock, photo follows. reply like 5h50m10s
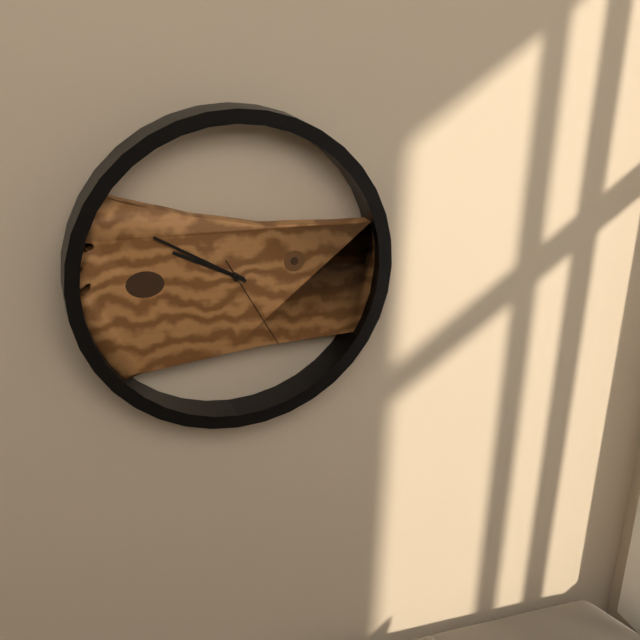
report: 9h50m25s
